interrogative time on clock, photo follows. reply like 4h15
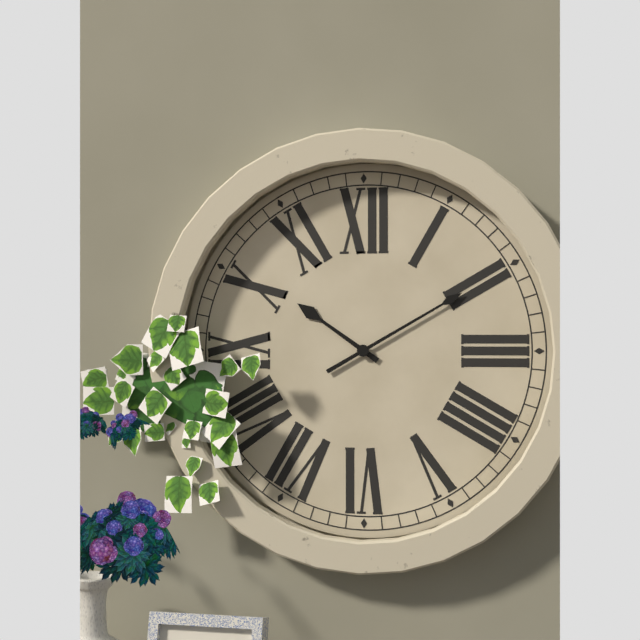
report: 10h10
